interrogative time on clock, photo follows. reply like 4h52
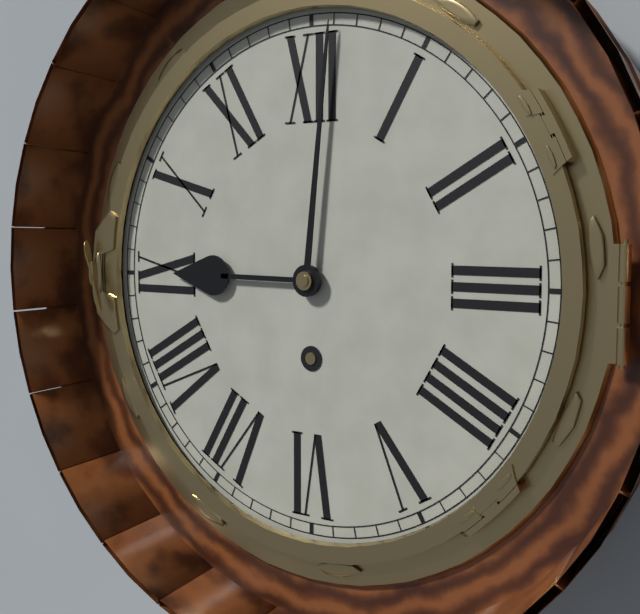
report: 9h01
